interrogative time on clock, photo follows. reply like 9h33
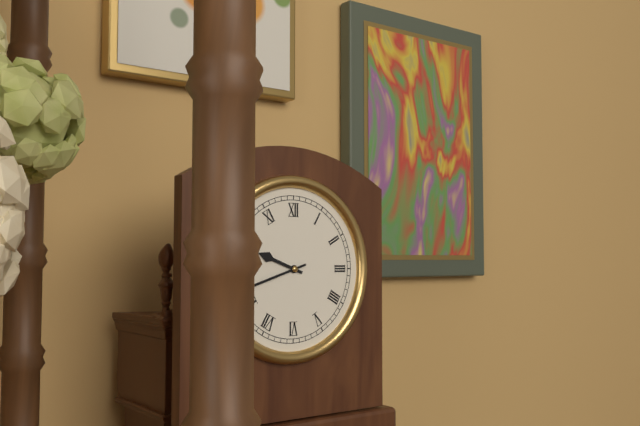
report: 9h42
